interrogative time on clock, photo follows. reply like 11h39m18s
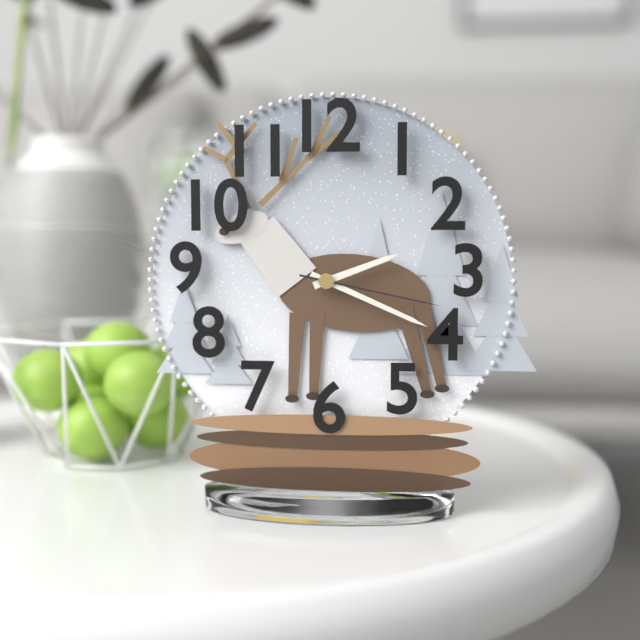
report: 2h19m17s
